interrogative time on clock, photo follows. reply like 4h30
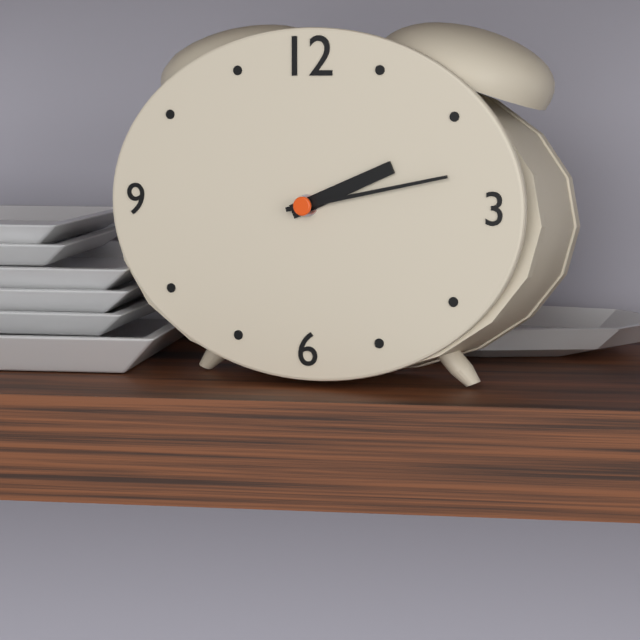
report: 2h13
